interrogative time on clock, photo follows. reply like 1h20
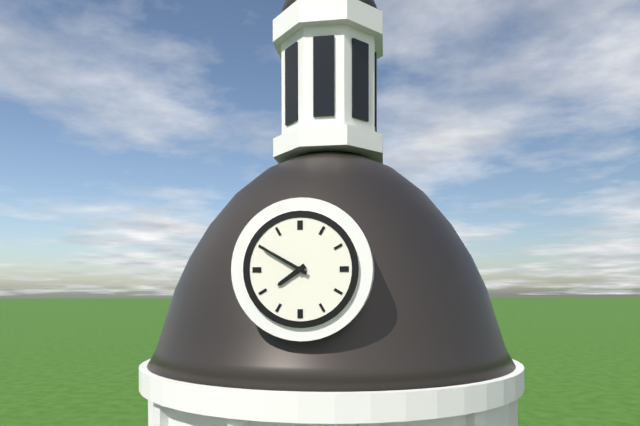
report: 7h50
